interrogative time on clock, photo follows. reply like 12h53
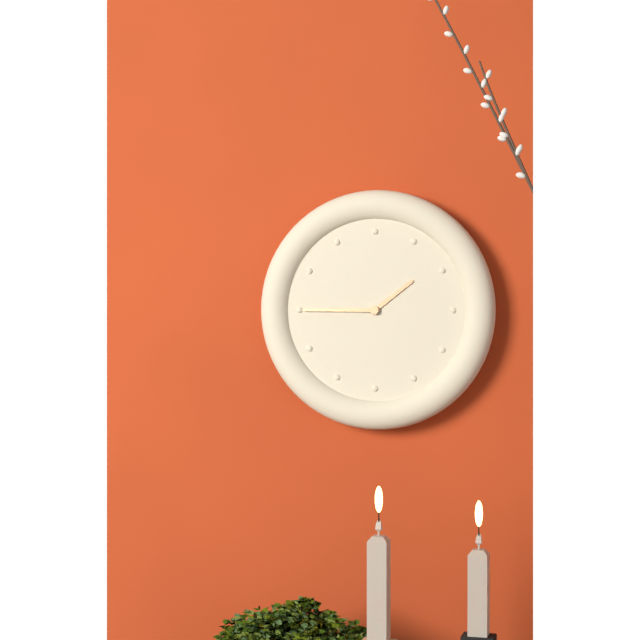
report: 1h45
